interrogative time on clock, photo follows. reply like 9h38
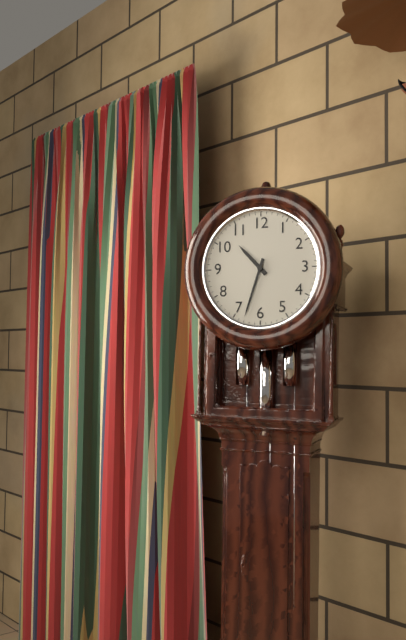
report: 10h33
